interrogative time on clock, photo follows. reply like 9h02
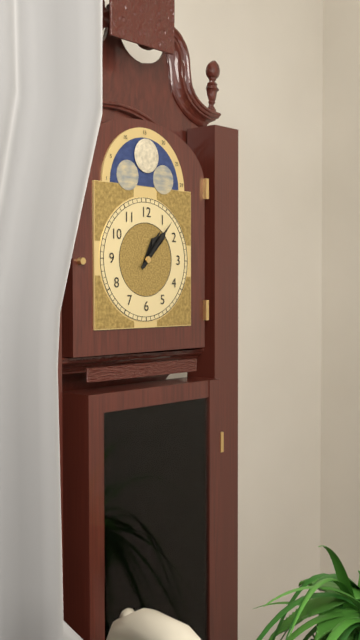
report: 1h07
